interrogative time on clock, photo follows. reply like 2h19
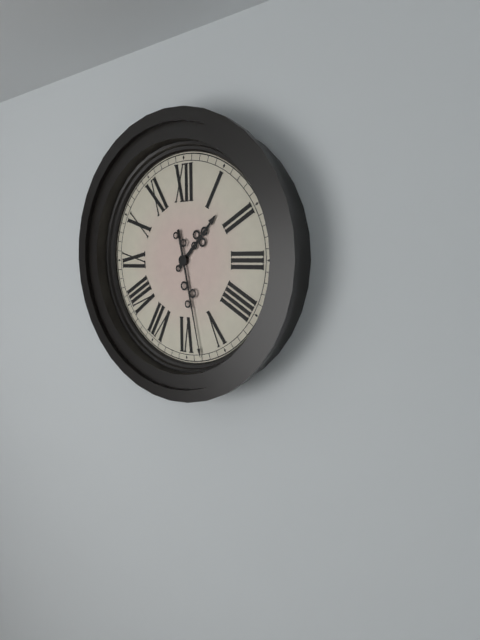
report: 1h28
